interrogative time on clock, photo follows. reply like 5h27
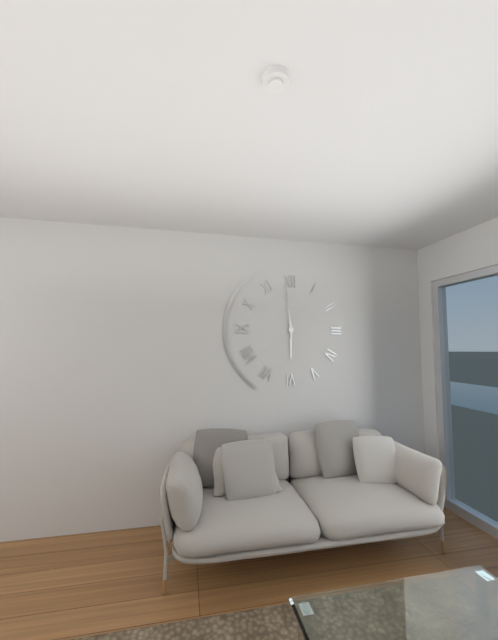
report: 5h59
